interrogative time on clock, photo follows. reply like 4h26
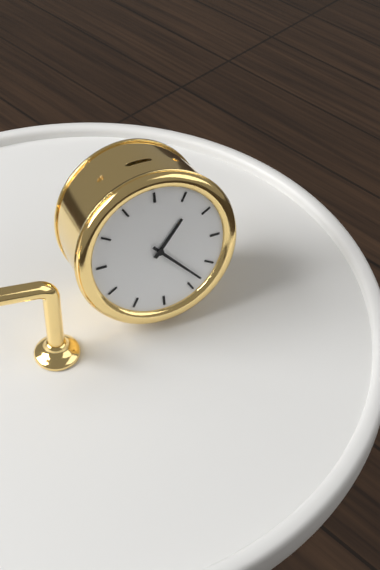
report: 1h23
